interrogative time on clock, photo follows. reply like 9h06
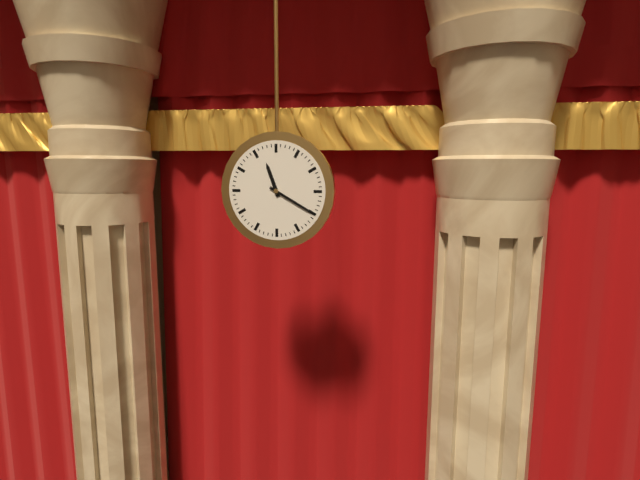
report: 11h20
